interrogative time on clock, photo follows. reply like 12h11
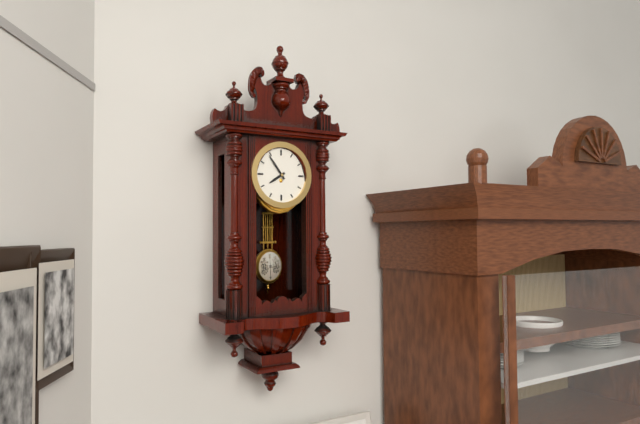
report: 7h54
